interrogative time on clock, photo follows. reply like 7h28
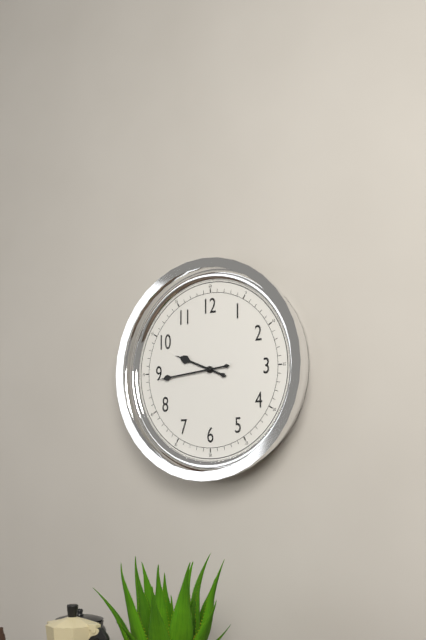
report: 9h44
